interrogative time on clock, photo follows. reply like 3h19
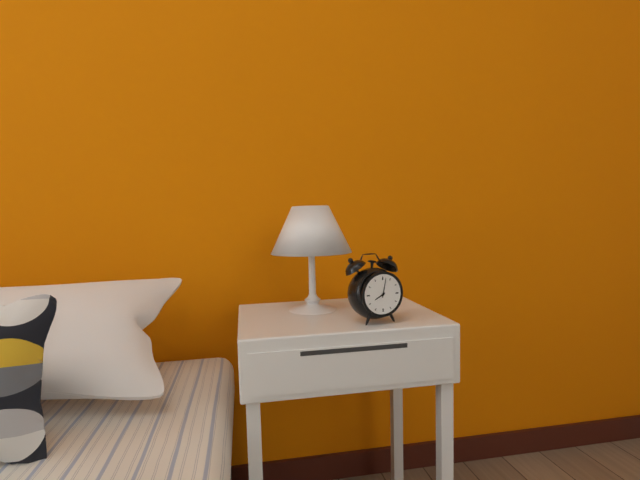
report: 8h02
